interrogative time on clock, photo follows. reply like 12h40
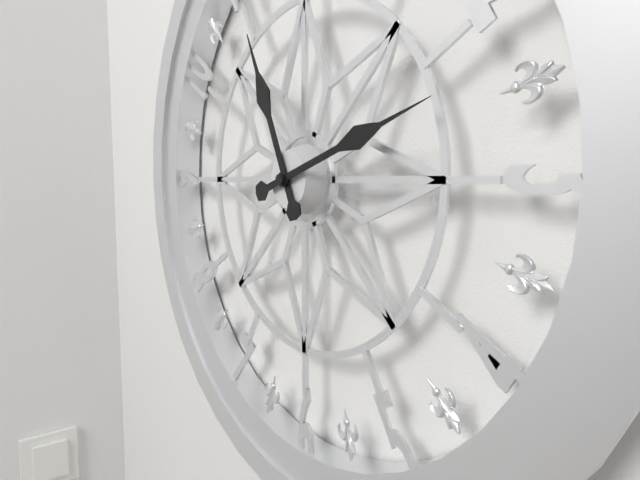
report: 11h12
